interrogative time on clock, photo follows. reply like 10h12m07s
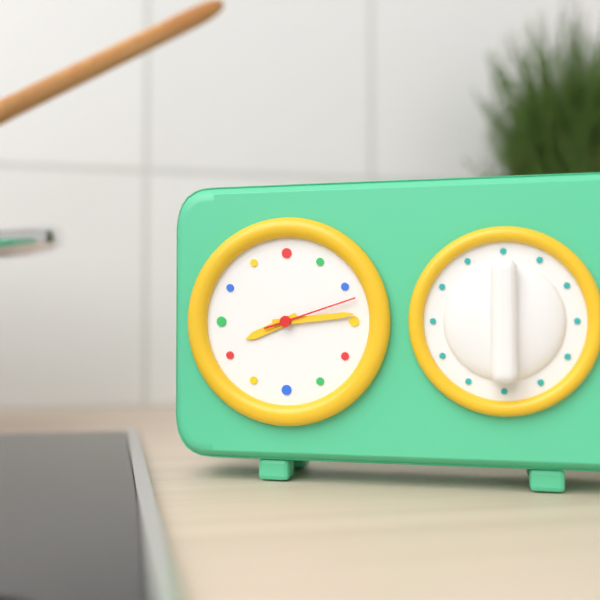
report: 8h14m12s
